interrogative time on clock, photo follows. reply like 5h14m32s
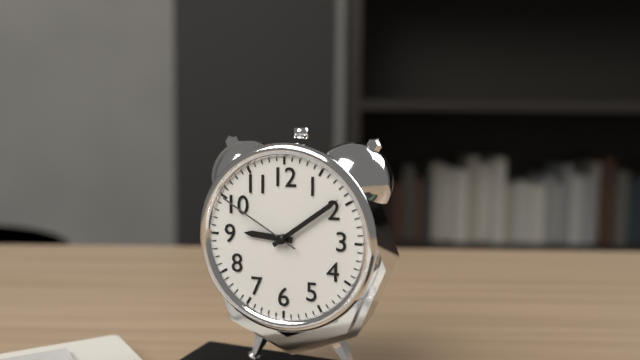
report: 9h09m50s
